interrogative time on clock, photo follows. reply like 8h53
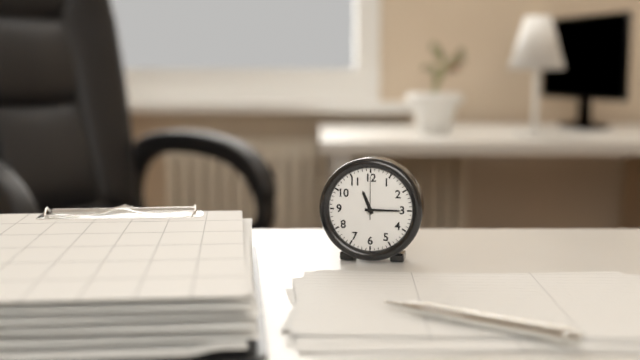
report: 11h15
